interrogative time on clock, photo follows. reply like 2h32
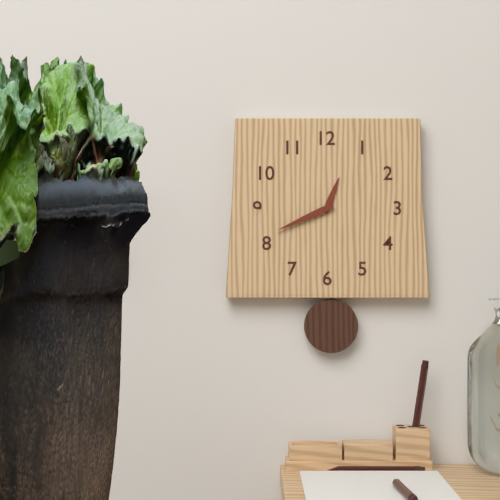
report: 12h41
